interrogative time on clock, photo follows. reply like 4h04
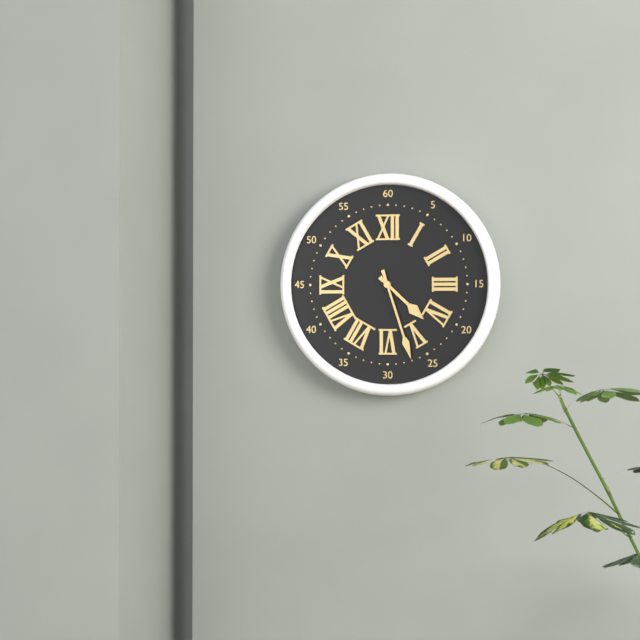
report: 4h27
